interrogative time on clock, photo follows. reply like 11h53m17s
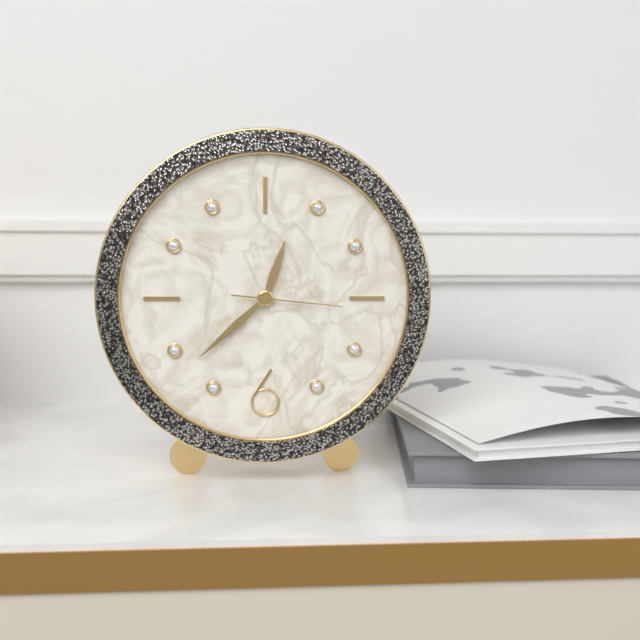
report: 12h38m16s
